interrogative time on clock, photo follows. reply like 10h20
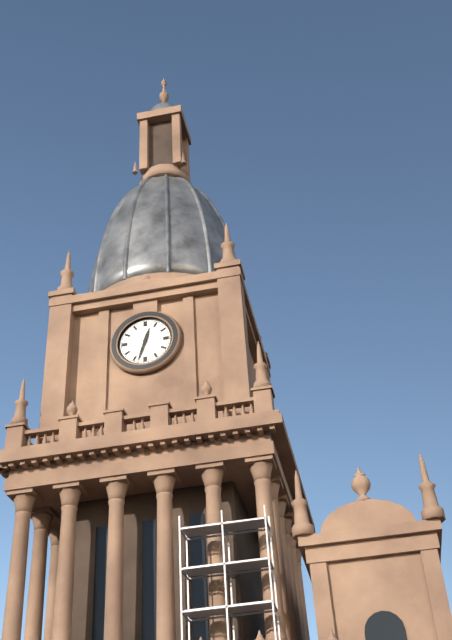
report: 12h33
